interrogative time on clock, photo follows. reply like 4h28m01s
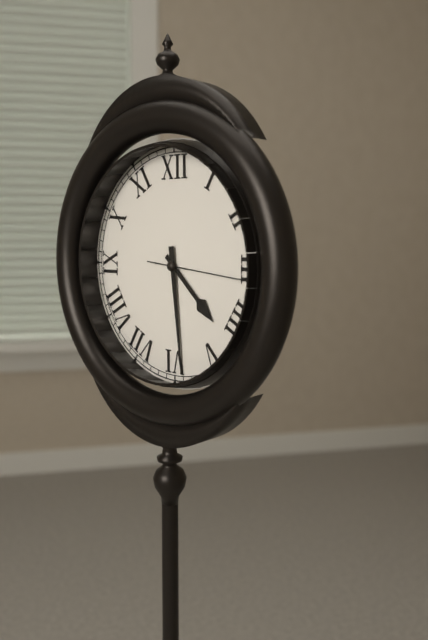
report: 4h29m16s
